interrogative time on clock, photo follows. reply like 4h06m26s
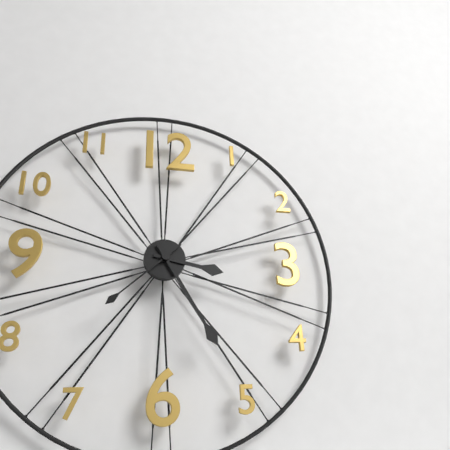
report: 3h25m38s
